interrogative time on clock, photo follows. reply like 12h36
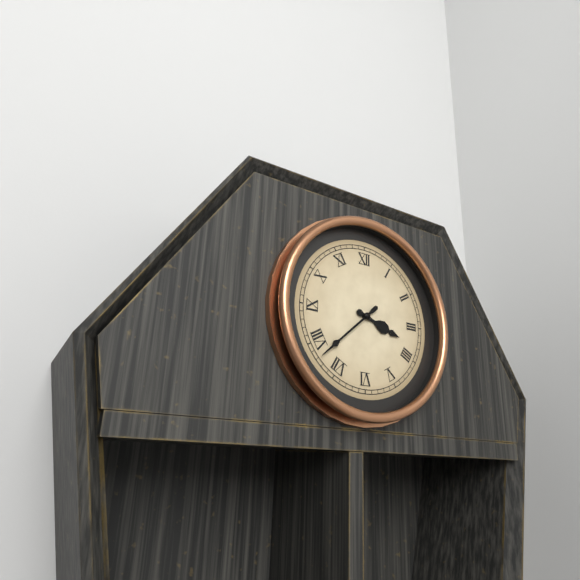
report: 3h38
